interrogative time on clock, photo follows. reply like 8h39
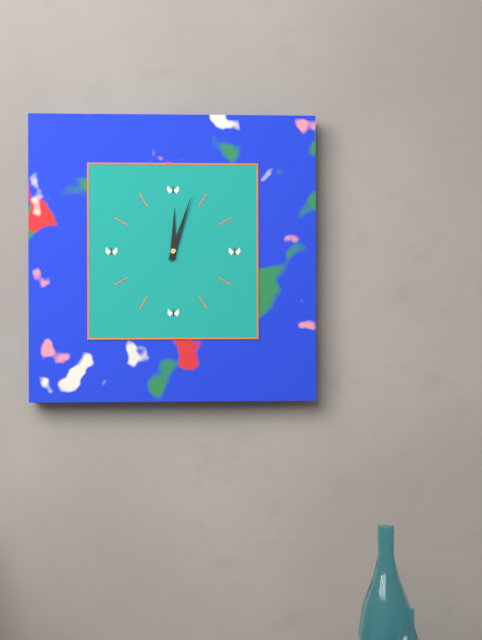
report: 12h03
